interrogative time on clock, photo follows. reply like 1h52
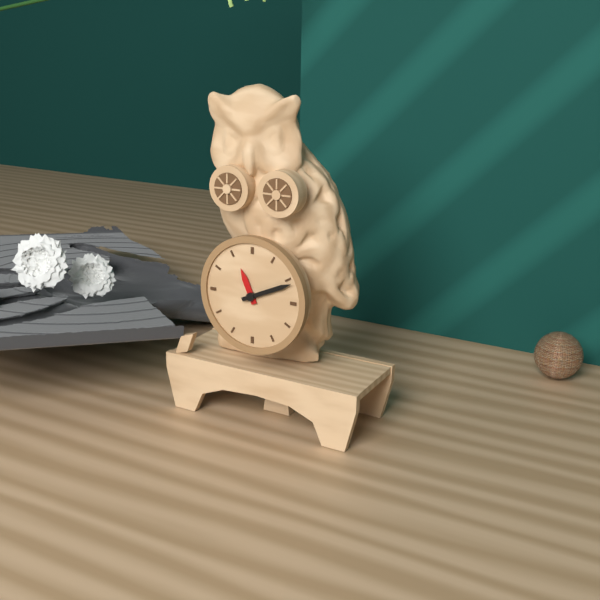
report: 11h11
